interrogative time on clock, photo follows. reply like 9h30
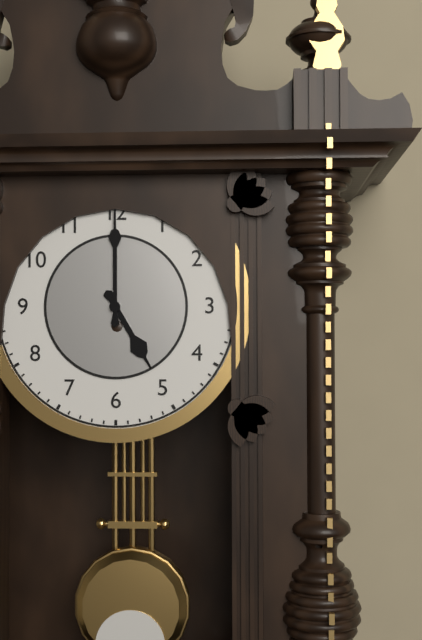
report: 5h00
